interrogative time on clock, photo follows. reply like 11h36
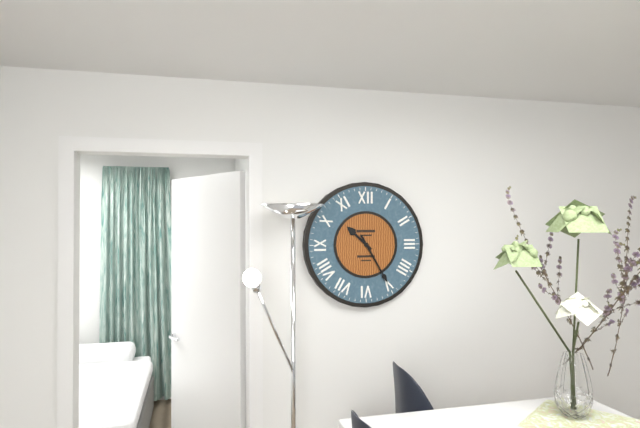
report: 10h25
